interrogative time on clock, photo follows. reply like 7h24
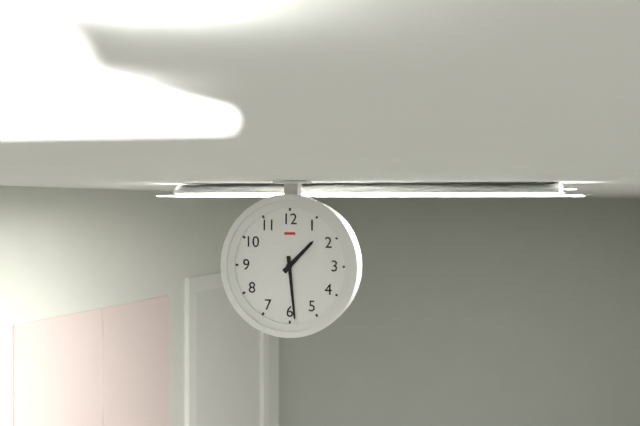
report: 1h29
